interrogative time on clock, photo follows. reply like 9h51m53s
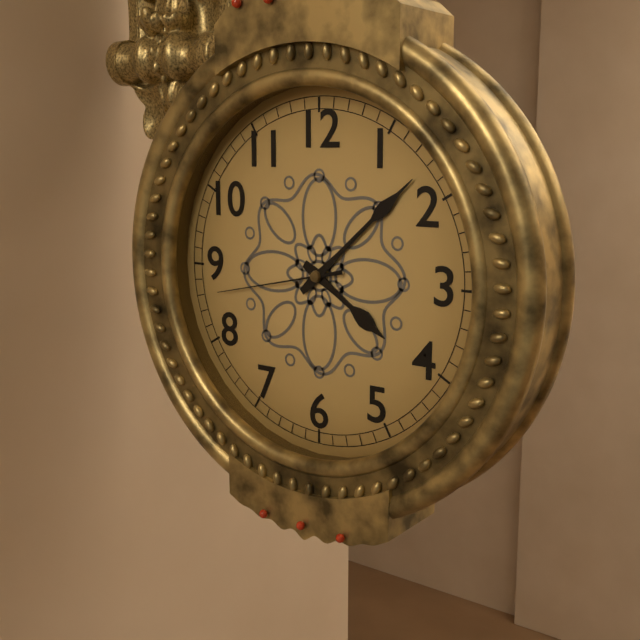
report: 4h08m43s
